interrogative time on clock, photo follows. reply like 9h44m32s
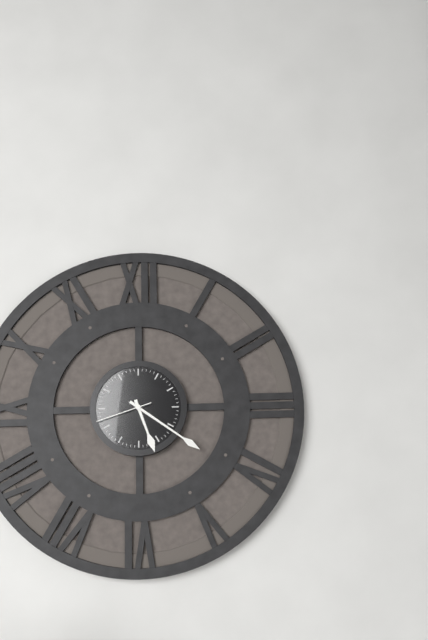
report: 5h21m42s
